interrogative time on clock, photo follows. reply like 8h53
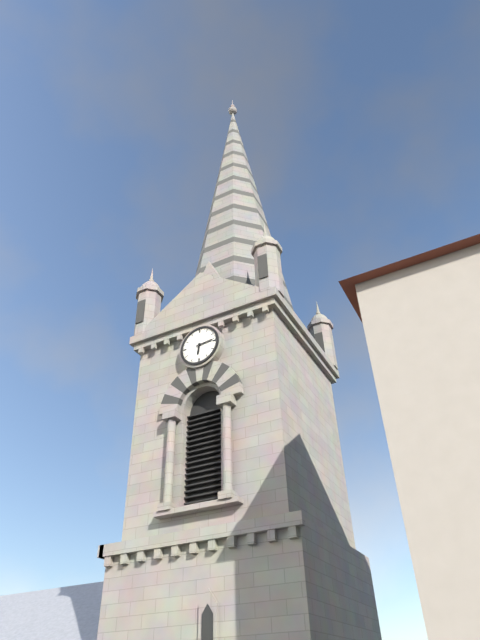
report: 6h14
